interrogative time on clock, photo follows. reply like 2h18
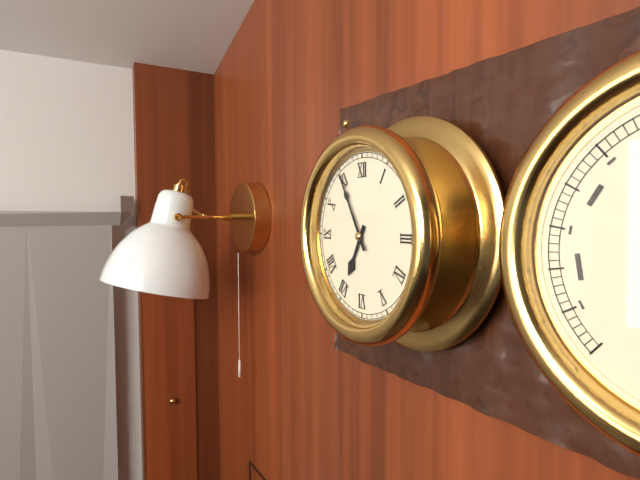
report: 6h55
